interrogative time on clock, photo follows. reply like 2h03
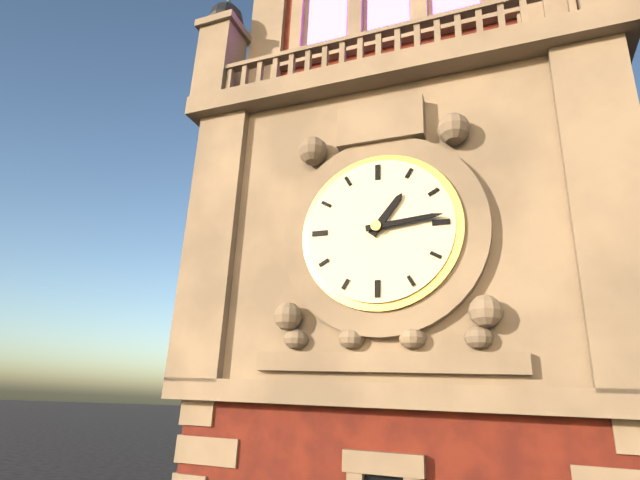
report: 1h14
